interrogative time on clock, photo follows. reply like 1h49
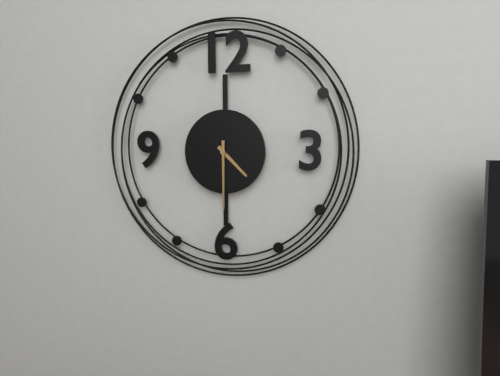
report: 4h30
